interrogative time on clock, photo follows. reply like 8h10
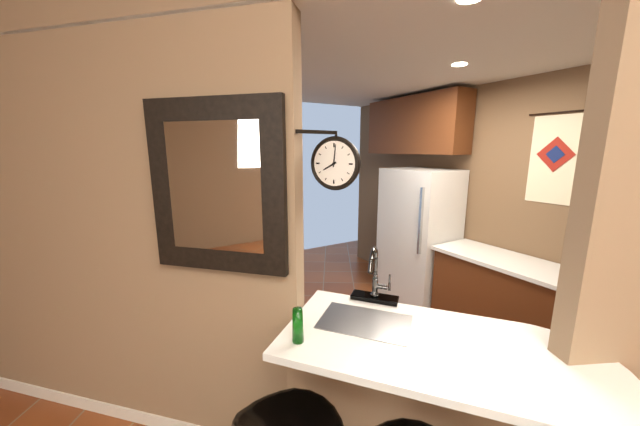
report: 8h01
